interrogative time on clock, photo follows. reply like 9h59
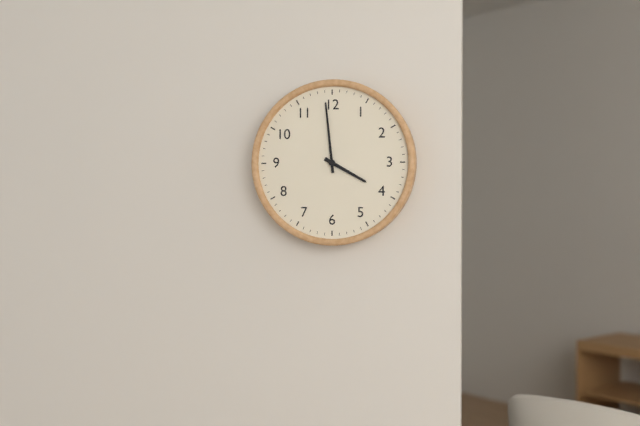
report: 3h59
